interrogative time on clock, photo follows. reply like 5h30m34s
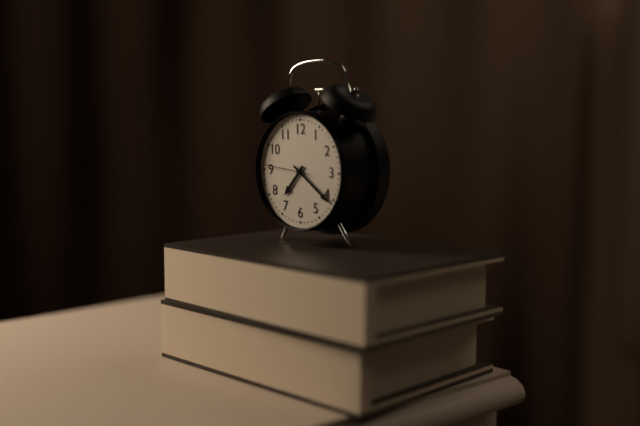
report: 7h21m46s
